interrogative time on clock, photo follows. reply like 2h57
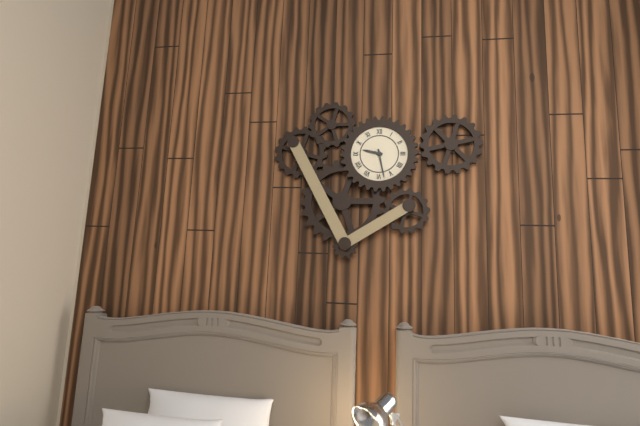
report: 9h28
